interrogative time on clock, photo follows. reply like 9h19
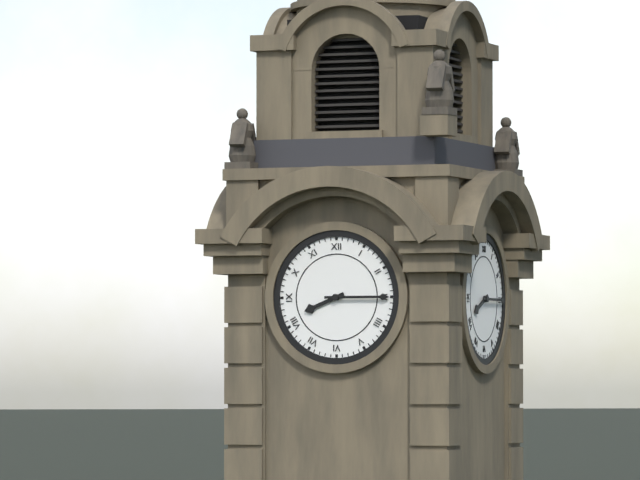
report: 8h15
